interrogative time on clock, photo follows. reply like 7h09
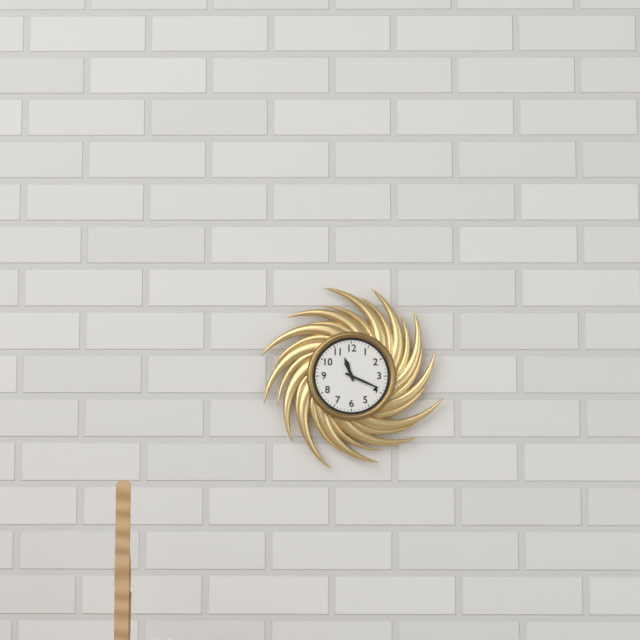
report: 11h19
